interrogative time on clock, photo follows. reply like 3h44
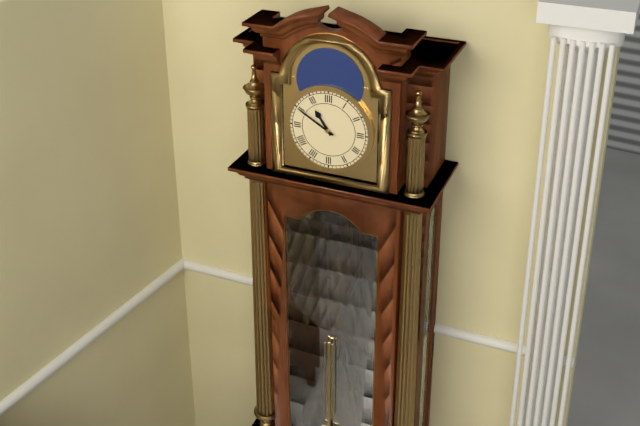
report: 10h50
